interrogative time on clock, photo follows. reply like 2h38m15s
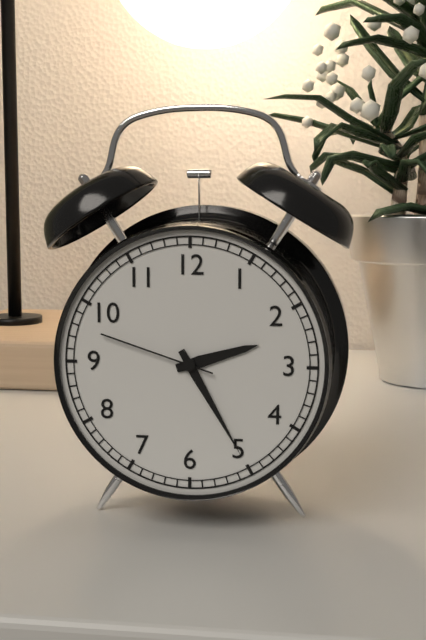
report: 2h25m48s
